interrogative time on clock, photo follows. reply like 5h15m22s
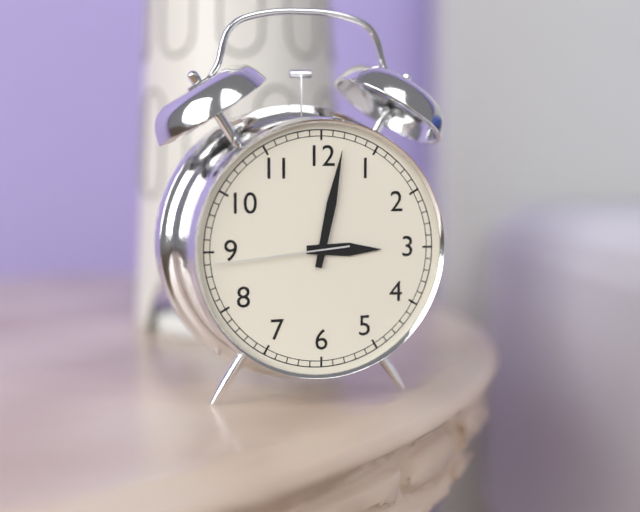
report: 3h02m44s
